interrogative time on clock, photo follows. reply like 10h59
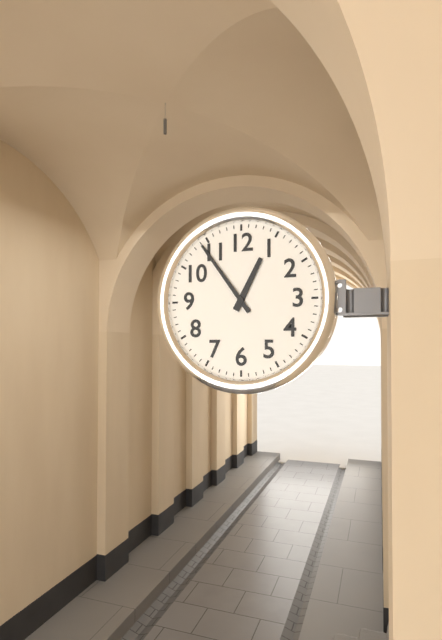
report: 12h54
